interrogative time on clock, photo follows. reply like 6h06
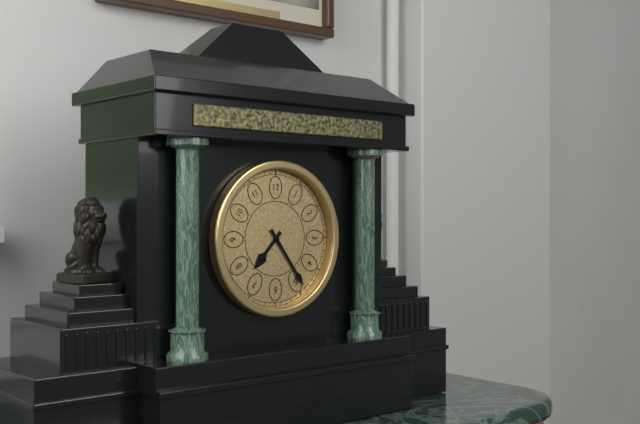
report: 7h24
